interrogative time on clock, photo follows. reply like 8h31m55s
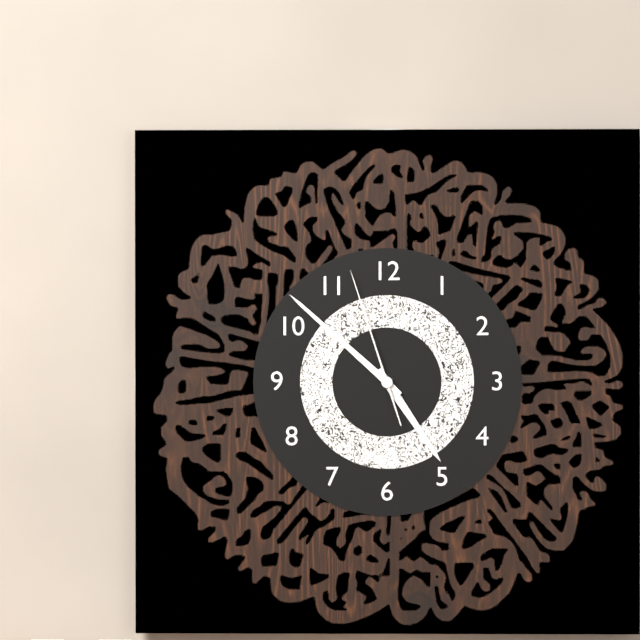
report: 4h52m57s
